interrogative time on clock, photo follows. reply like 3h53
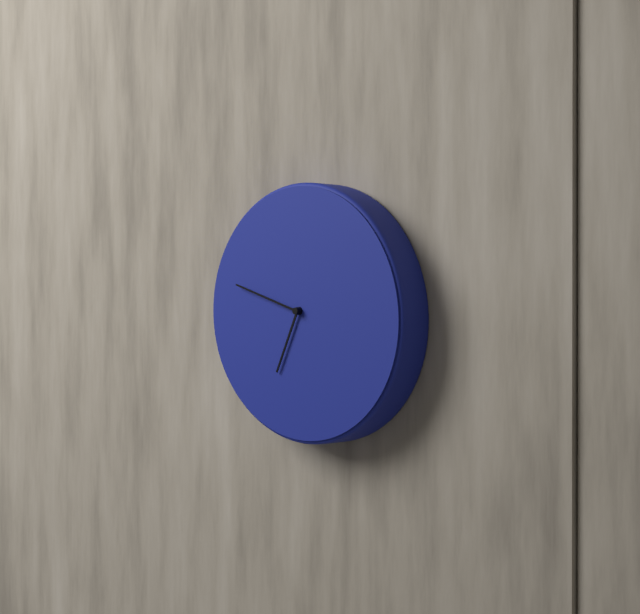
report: 6h48
